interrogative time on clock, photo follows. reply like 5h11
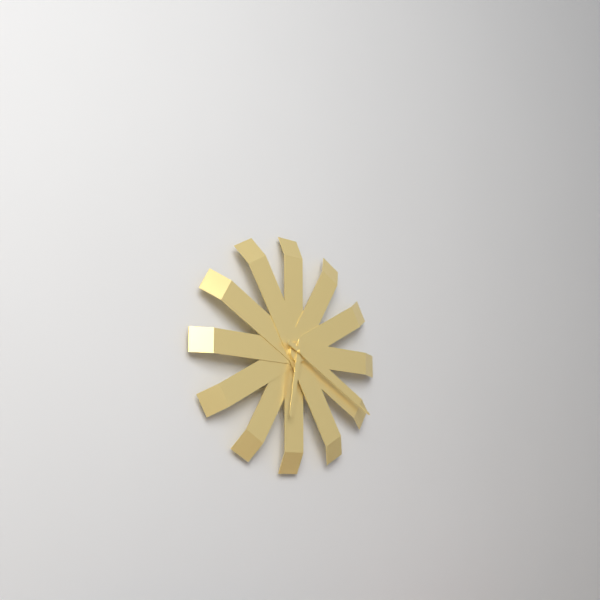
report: 6h20
